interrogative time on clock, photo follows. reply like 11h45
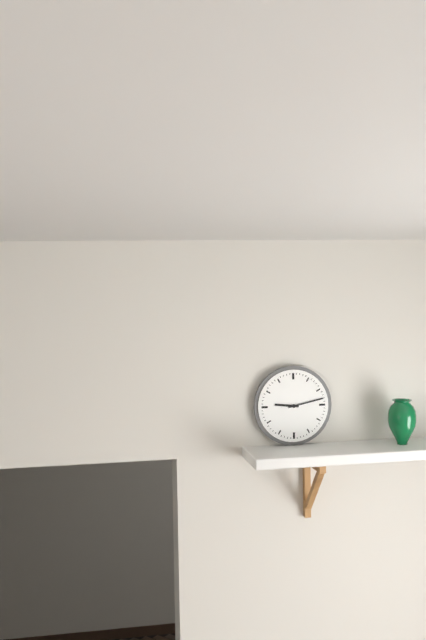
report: 9h13
